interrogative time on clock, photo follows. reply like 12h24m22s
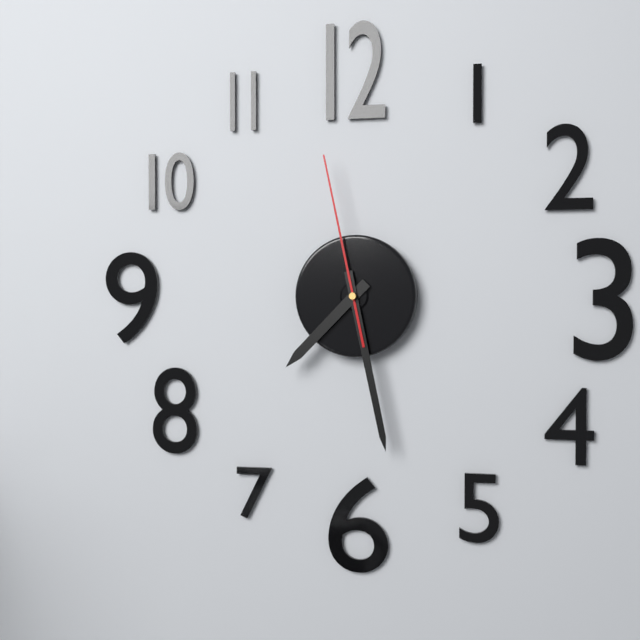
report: 7h28m58s
